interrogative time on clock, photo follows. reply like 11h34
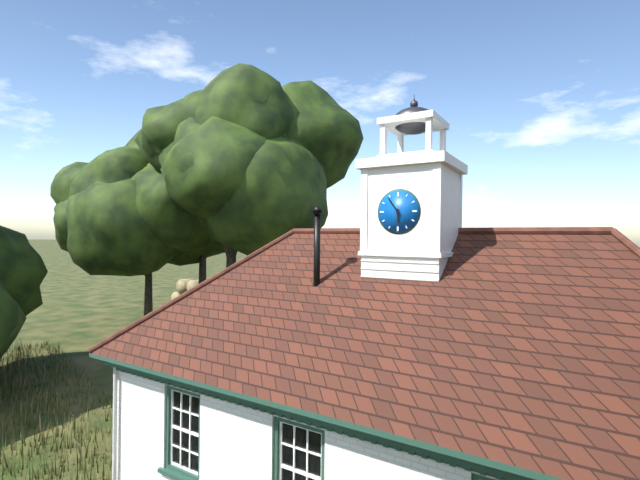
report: 5h54
